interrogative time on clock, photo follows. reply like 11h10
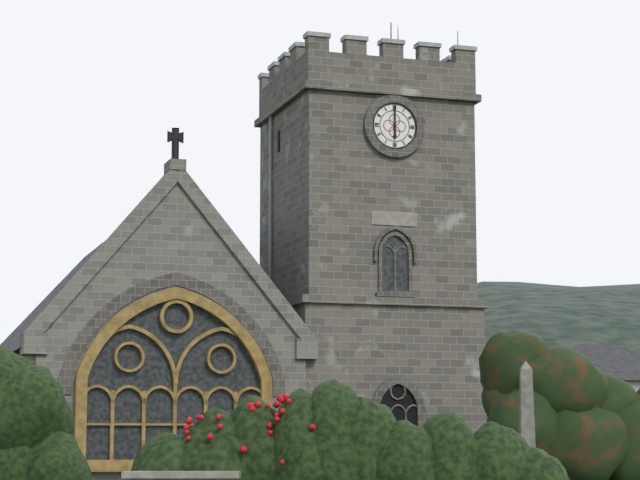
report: 6h00
